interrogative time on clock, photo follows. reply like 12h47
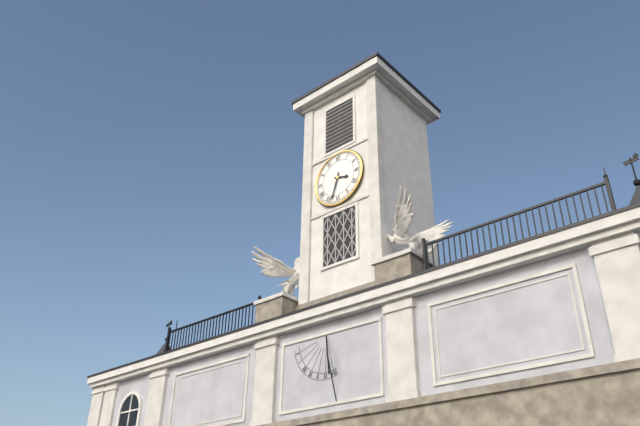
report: 3h33
